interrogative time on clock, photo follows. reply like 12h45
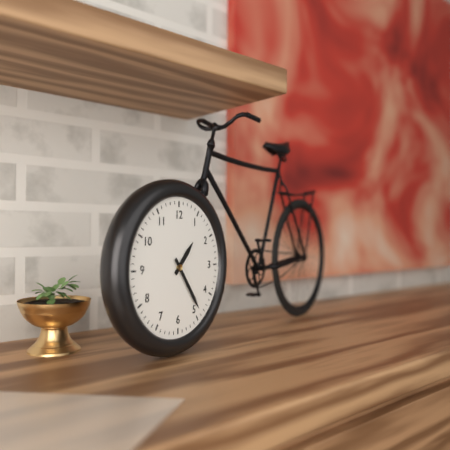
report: 1h24
